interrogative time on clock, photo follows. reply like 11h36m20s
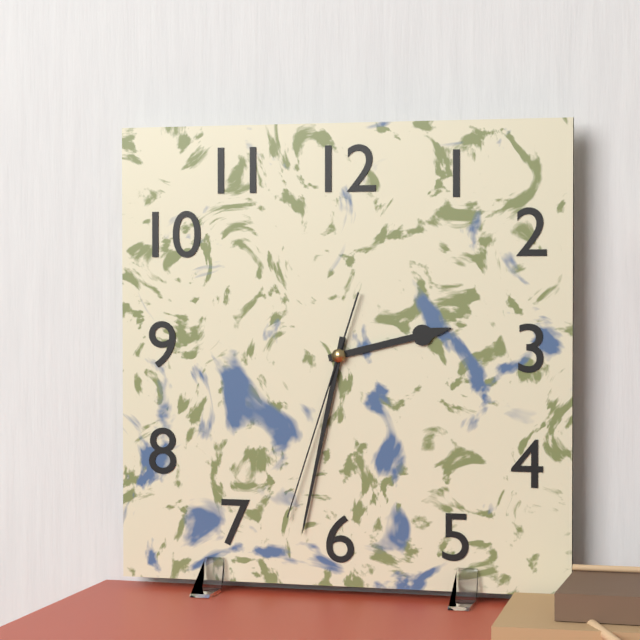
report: 2h32m33s
